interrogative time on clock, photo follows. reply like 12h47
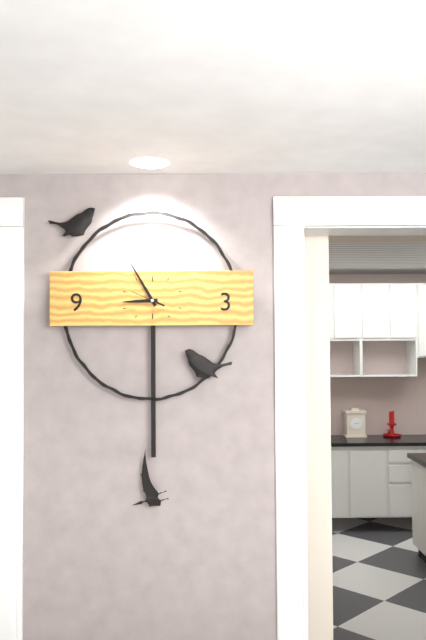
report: 8h55
